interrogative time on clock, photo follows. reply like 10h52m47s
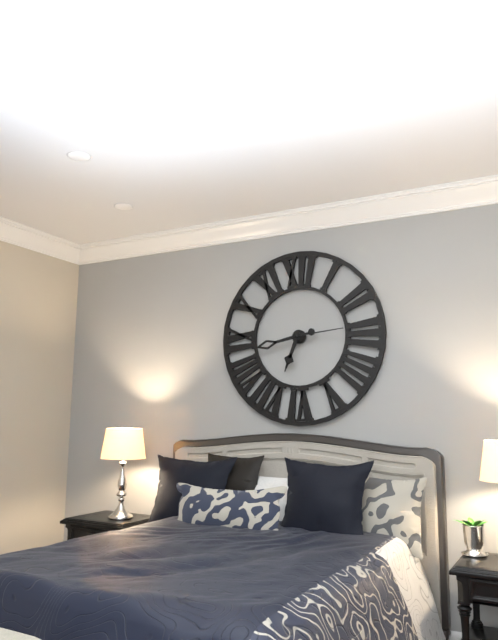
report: 6h43m14s
